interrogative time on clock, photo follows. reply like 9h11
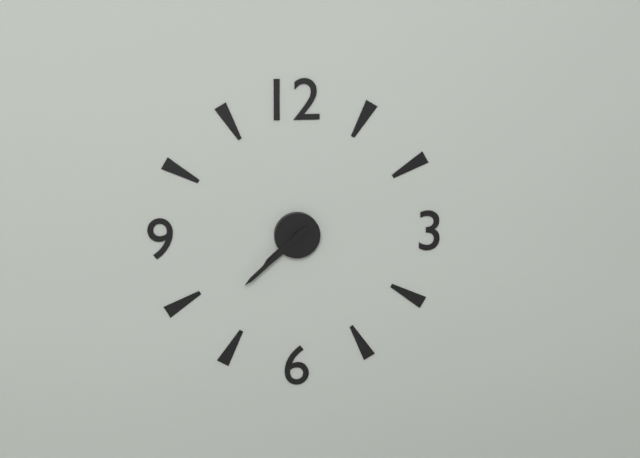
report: 7h38
